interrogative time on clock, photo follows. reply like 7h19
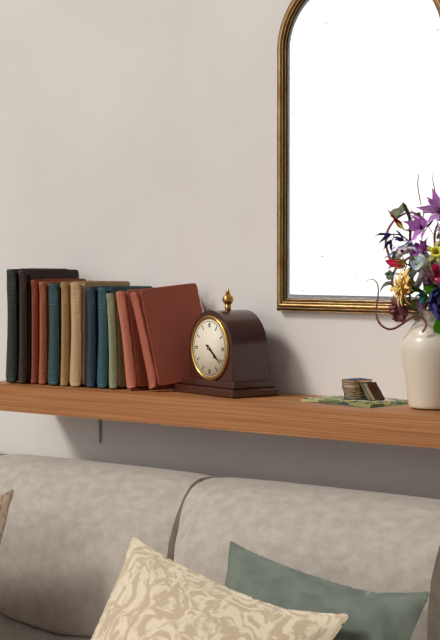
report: 4h21
